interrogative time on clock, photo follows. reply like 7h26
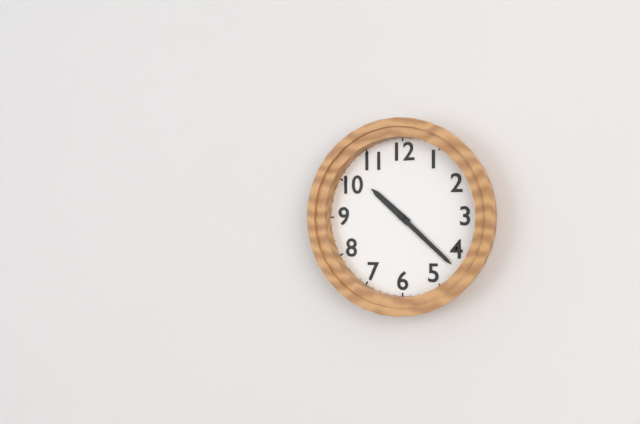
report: 10h22
